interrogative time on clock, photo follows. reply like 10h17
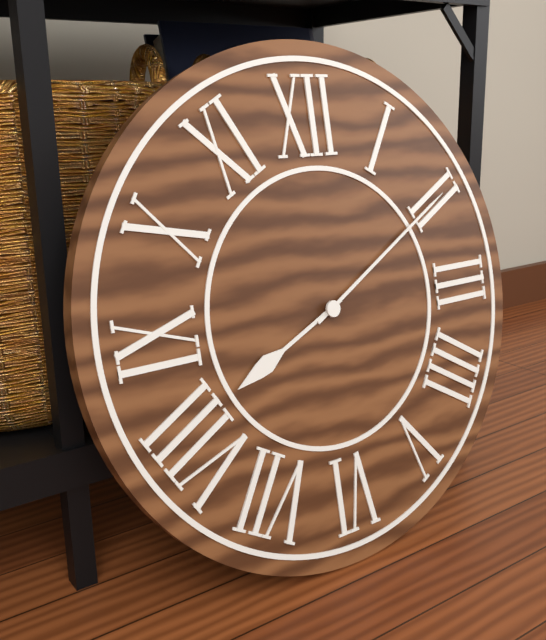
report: 8h10
